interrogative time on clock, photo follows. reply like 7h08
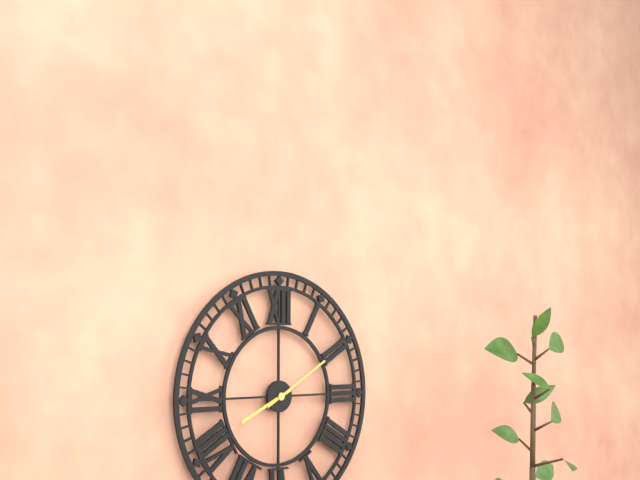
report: 8h10
